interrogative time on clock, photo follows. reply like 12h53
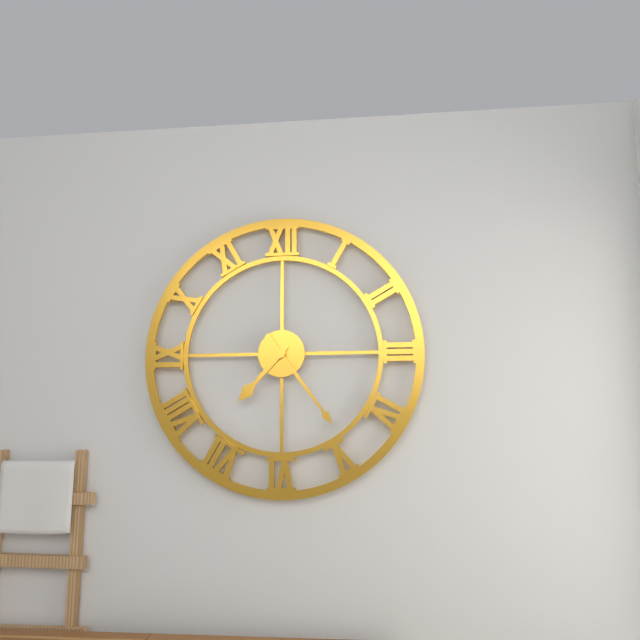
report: 7h24
